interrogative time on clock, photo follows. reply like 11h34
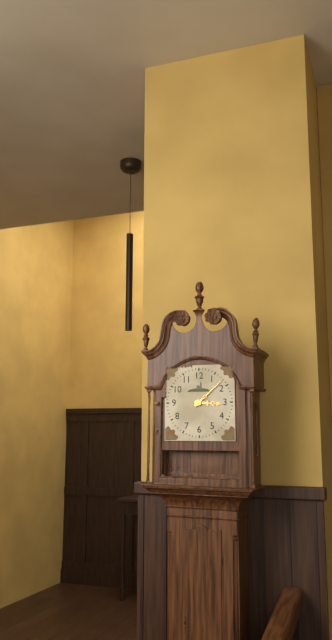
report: 3h08
